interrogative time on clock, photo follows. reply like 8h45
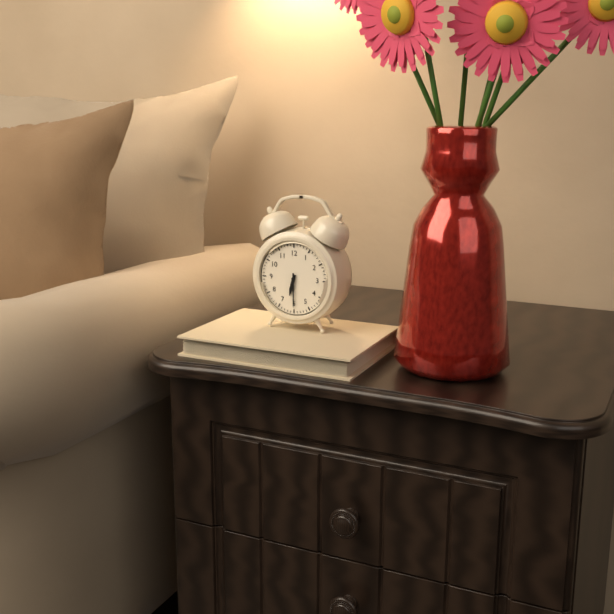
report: 6h30
